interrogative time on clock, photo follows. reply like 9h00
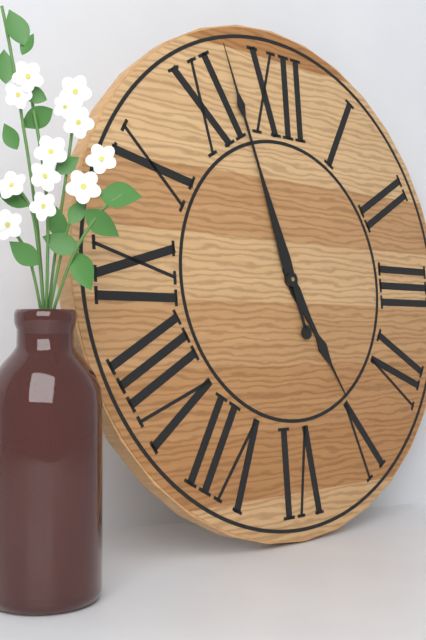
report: 4h57
